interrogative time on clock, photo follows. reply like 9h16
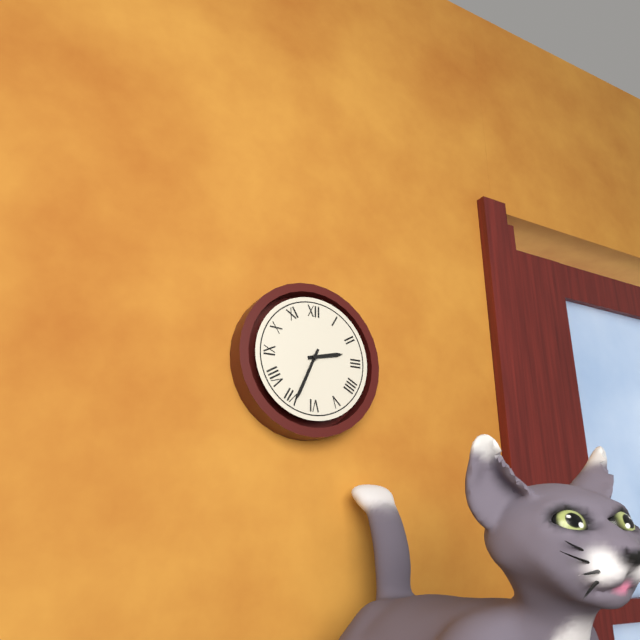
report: 2h34
